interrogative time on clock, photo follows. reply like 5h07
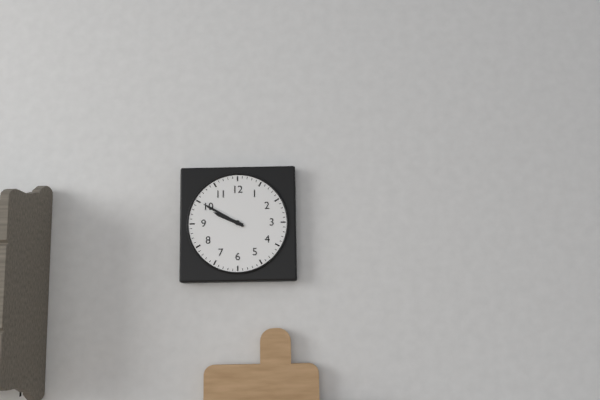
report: 9h50
